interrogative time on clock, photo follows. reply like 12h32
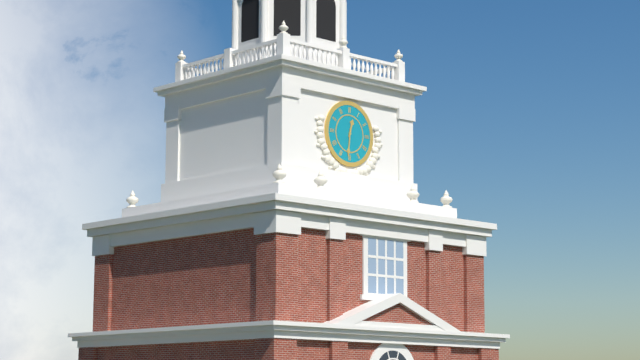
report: 12h31
